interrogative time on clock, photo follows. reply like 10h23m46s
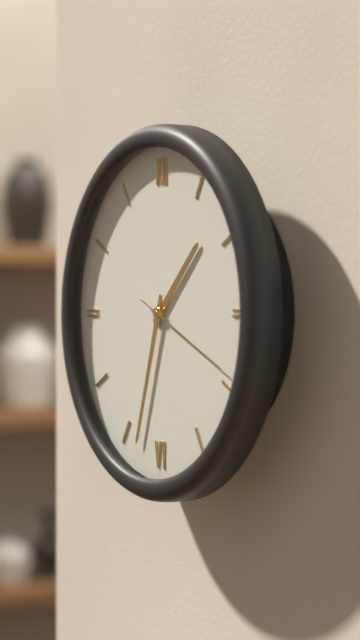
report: 1h33m19s
